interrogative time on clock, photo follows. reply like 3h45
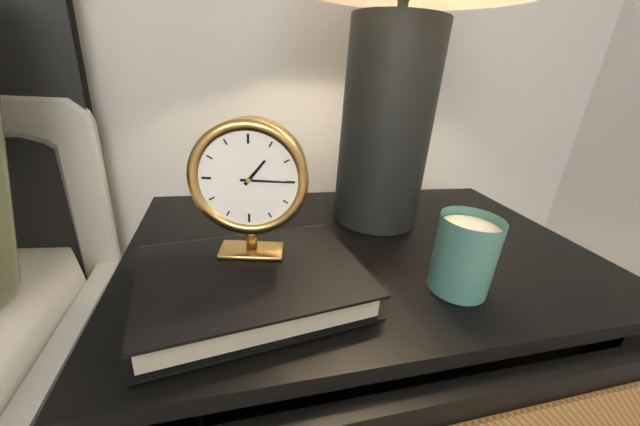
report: 1h15
